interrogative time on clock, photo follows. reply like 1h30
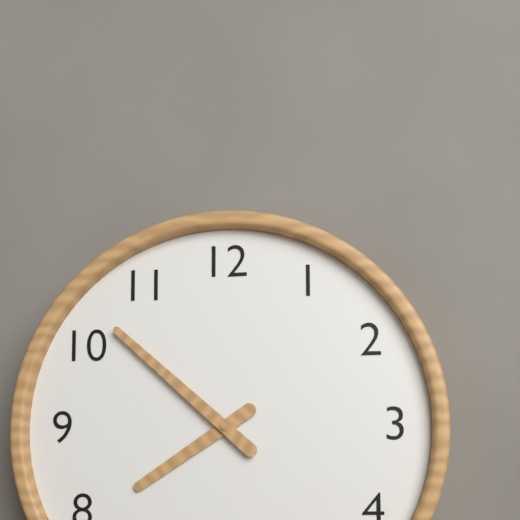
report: 7h52
